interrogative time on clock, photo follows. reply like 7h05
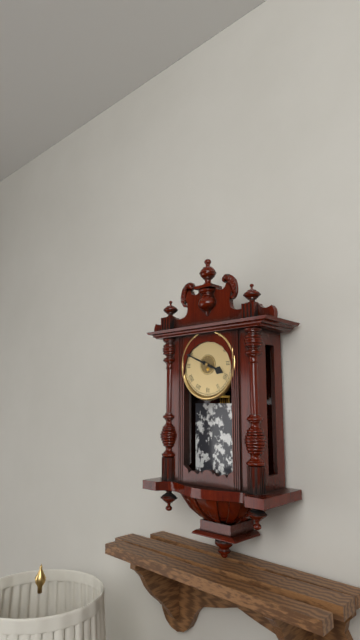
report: 3h49
